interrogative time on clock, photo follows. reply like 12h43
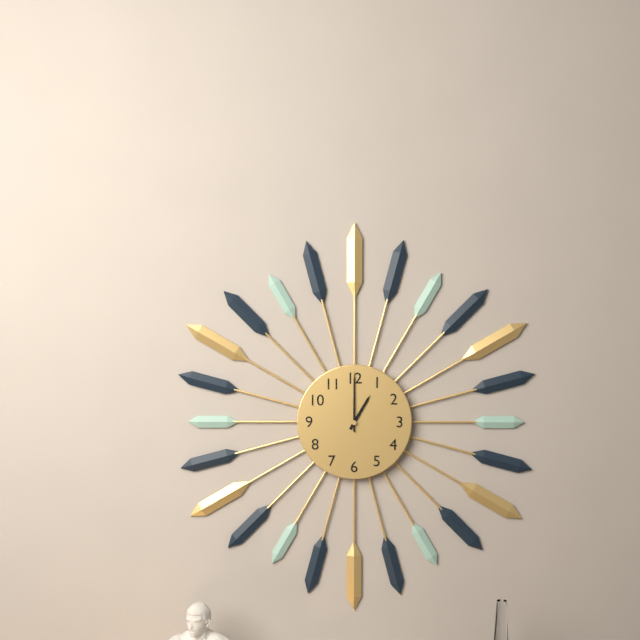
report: 1h00
